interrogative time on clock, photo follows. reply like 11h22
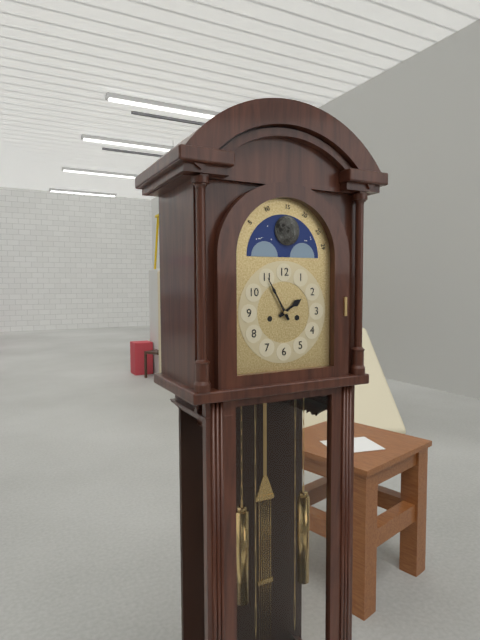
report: 1h55
